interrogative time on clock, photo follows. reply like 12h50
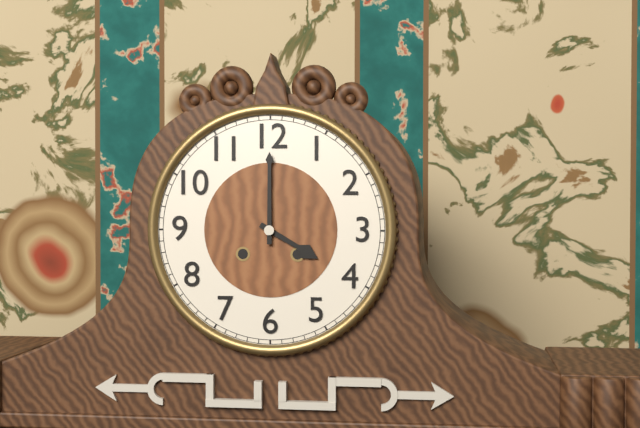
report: 4h00
